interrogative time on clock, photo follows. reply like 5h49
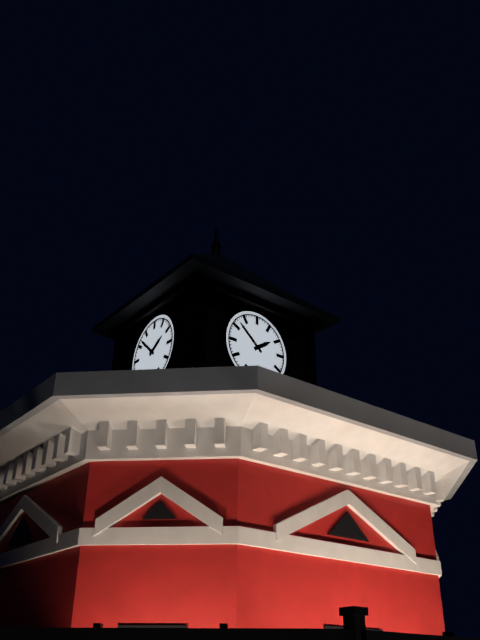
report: 1h52
